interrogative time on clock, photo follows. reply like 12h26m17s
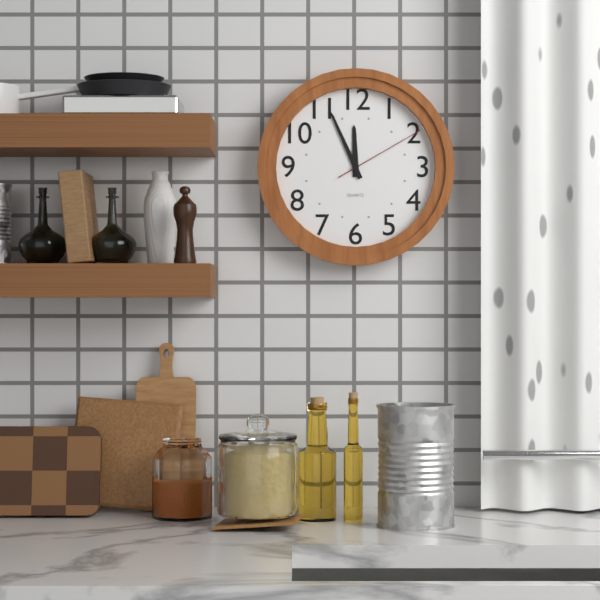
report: 11h56m10s
